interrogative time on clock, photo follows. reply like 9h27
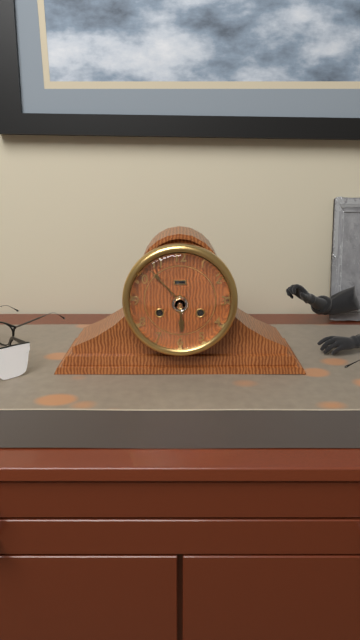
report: 5h53
